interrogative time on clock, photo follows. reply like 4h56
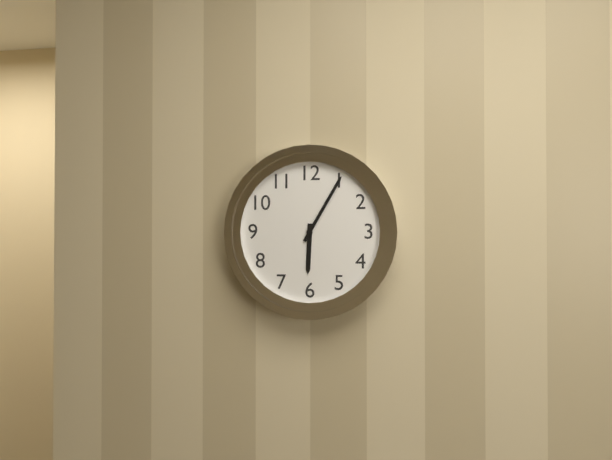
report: 6h05
